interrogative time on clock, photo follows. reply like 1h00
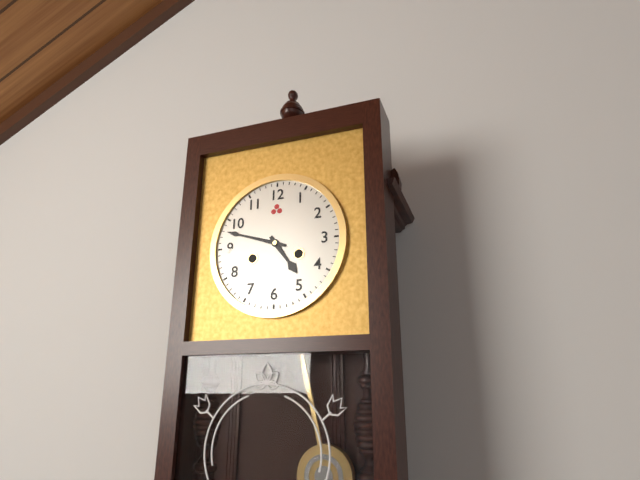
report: 4h48
